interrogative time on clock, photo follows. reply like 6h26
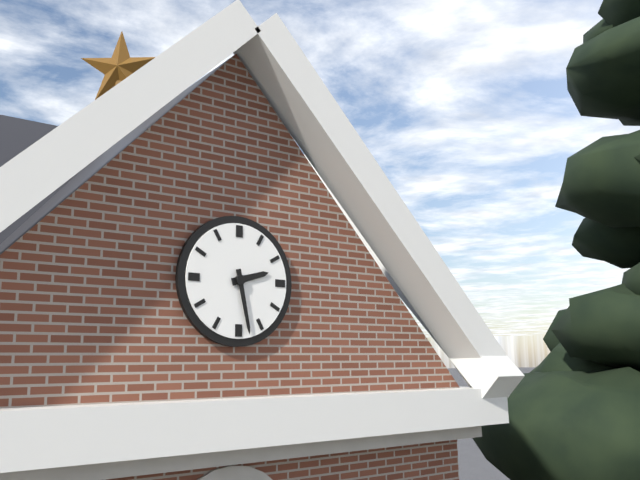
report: 2h28
